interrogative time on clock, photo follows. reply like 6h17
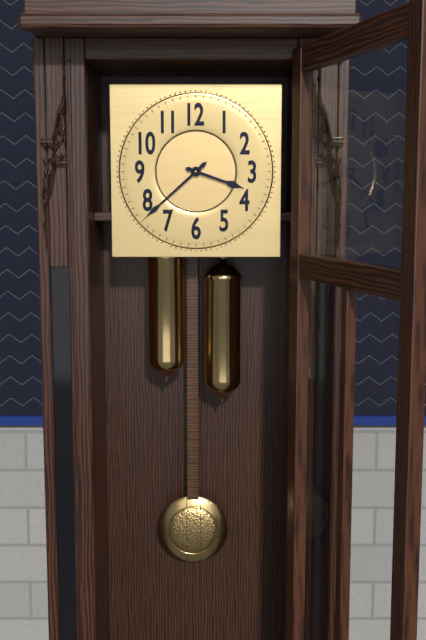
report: 3h38
